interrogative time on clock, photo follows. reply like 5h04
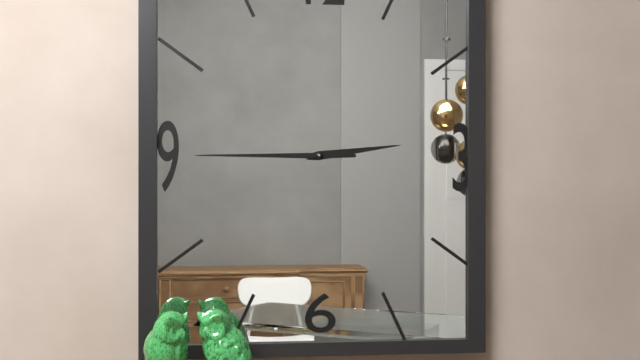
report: 2h45
